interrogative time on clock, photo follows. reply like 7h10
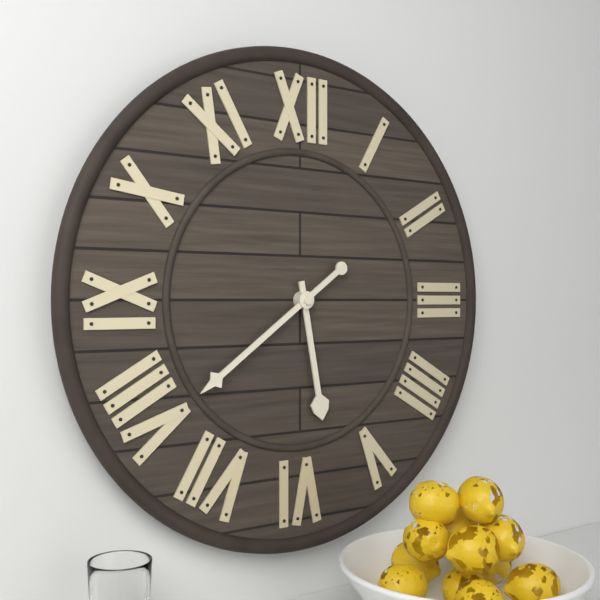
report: 5h39
